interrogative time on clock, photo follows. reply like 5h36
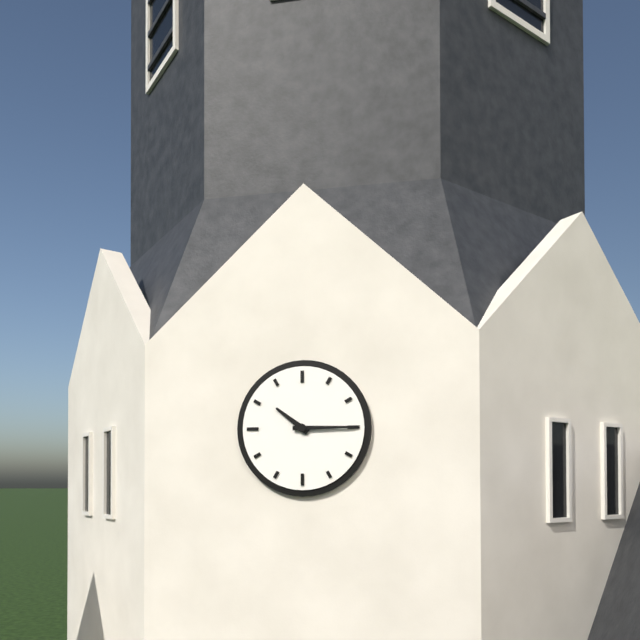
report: 10h15
